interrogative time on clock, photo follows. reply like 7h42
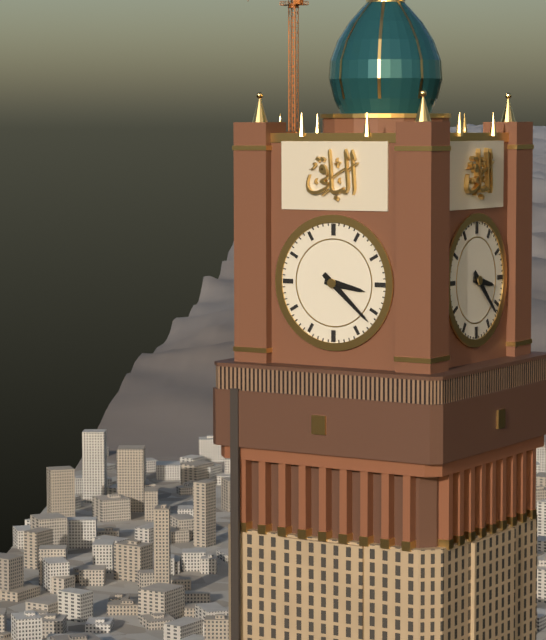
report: 3h22
